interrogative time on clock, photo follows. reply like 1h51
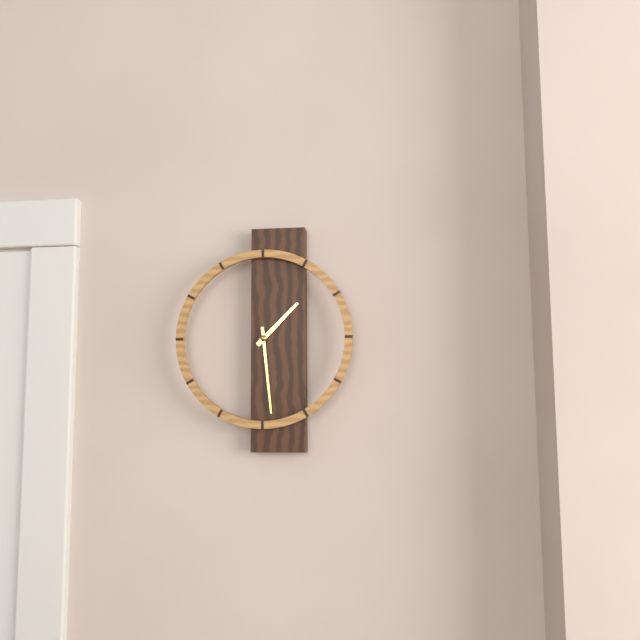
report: 1h29
